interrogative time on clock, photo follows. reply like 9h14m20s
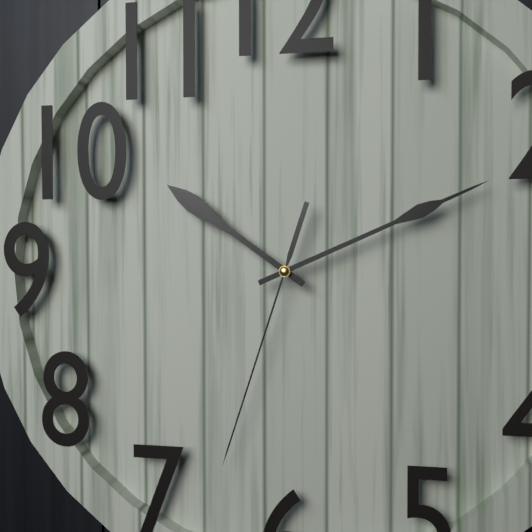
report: 10h11m33s
